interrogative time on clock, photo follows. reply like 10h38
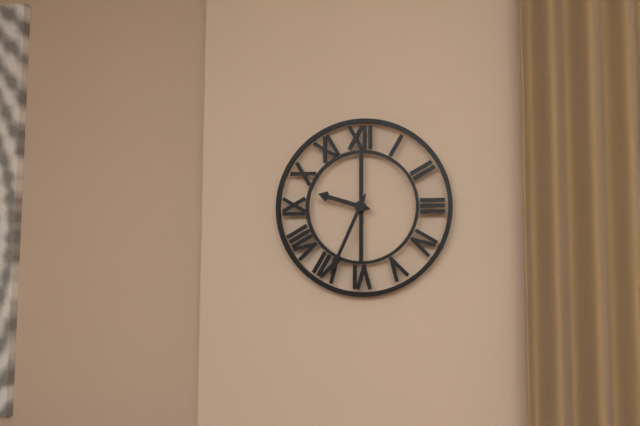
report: 9h34
